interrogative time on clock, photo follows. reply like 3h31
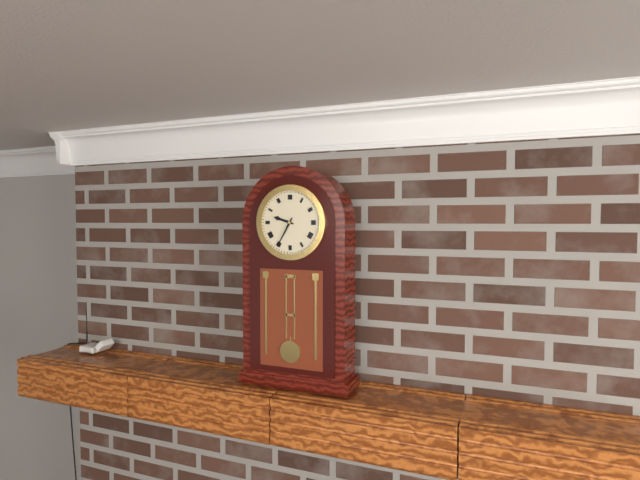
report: 9h35
